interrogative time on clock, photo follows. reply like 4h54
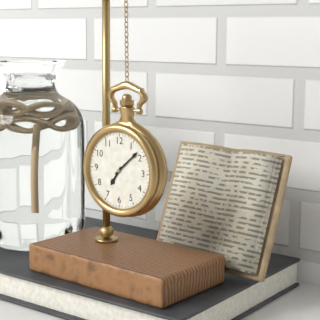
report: 7h08
